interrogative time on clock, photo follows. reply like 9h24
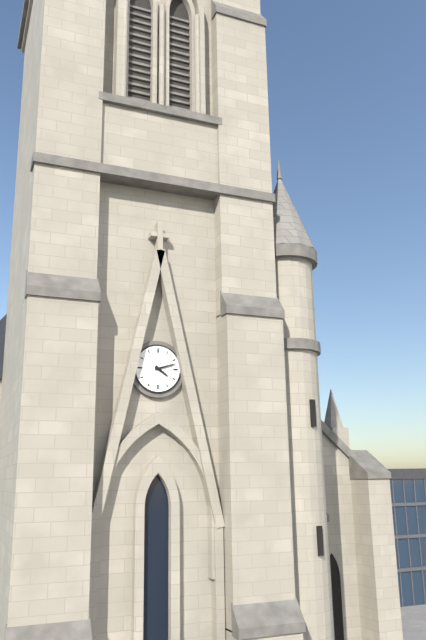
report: 4h12
